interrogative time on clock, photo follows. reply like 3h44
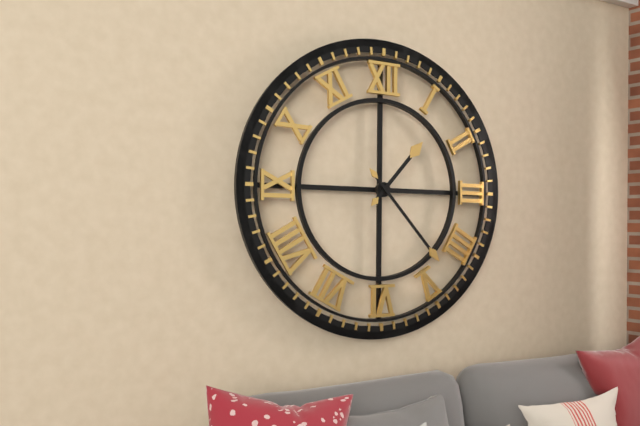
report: 1h23
